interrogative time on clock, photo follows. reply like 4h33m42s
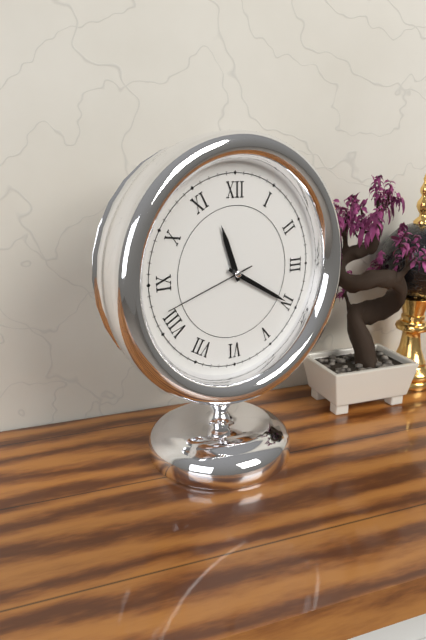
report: 11h20m42s
